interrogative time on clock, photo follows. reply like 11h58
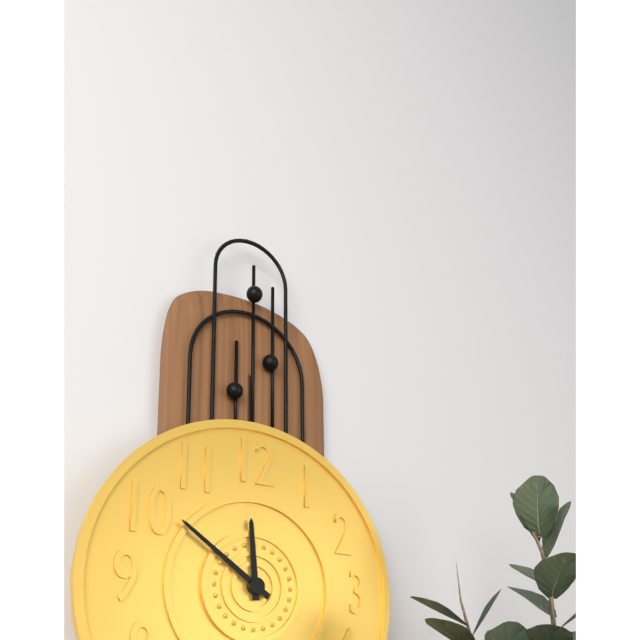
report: 11h51
